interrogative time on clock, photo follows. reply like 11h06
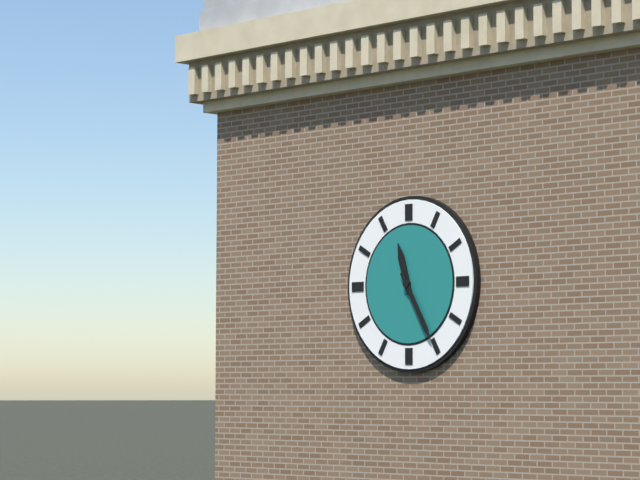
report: 11h25
